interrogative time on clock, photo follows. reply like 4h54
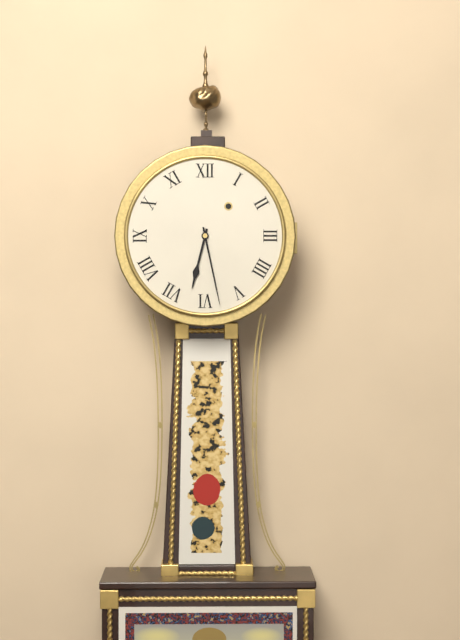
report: 6h28
